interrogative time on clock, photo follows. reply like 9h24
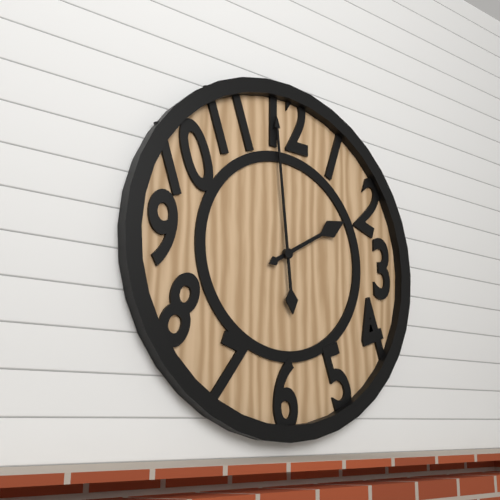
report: 1h59
